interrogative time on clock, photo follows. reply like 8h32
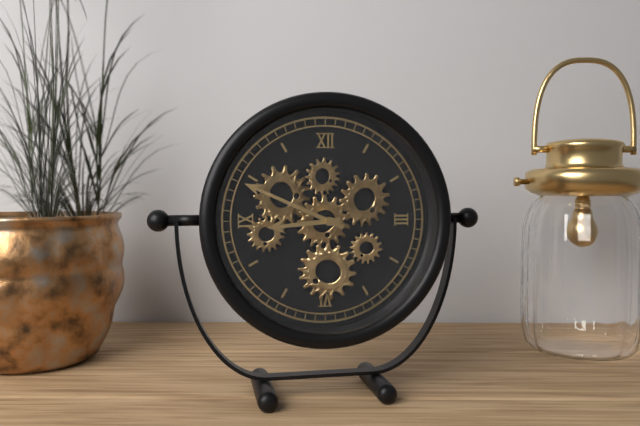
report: 8h49
